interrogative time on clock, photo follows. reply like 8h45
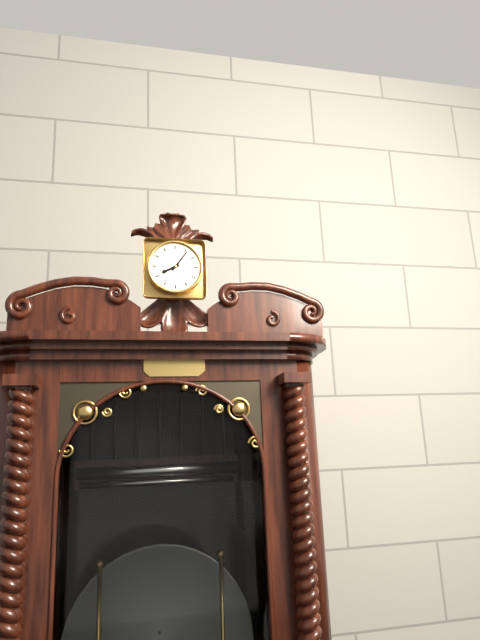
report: 8h06
